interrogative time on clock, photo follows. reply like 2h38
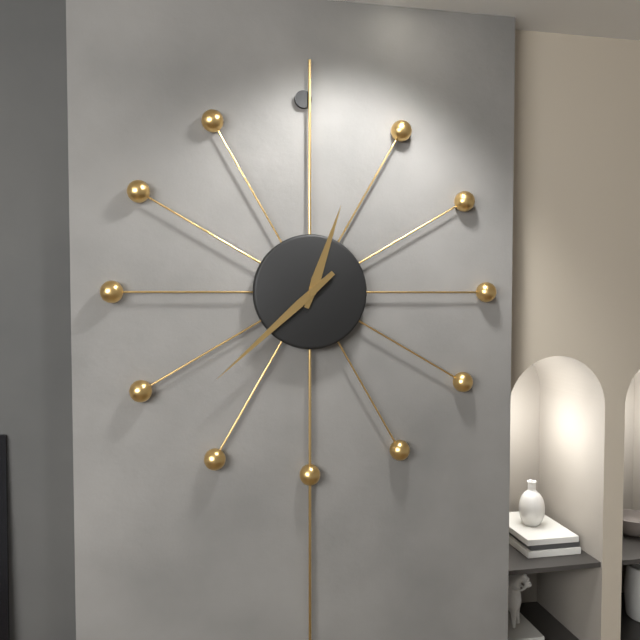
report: 12h38
